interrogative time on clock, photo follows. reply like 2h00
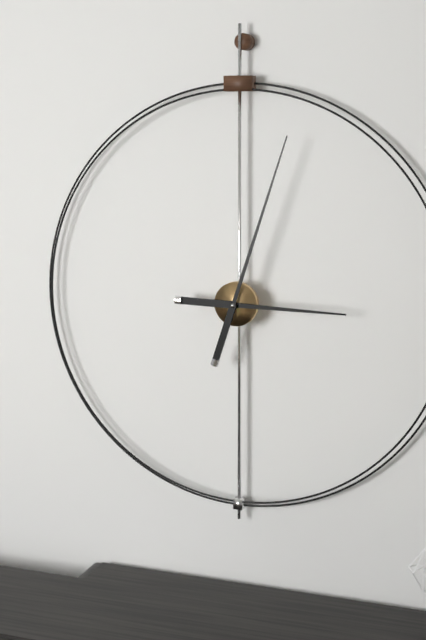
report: 3h03
